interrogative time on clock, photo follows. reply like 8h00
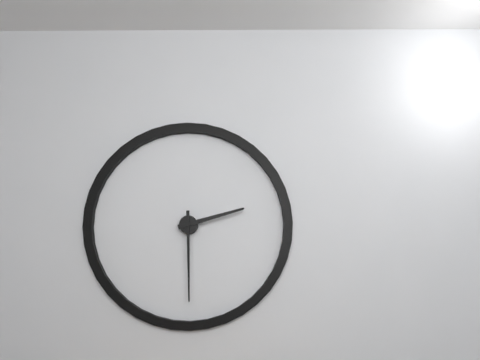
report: 2h30
